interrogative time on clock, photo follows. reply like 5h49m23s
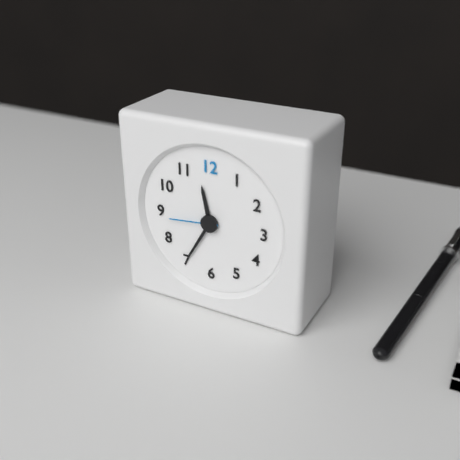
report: 11h35m44s
